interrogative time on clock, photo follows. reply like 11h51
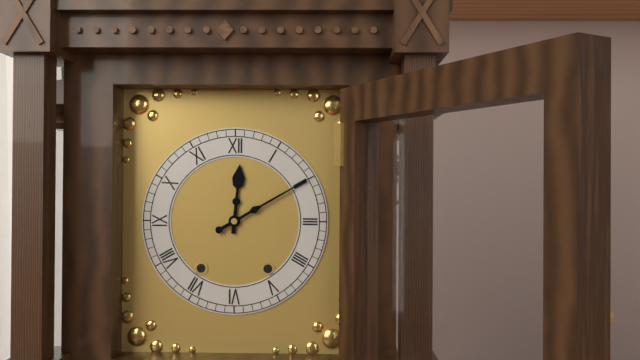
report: 12h10
